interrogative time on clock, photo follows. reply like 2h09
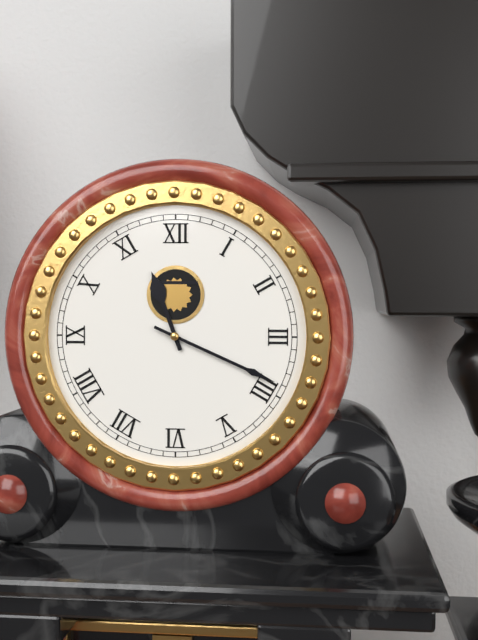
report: 11h19
